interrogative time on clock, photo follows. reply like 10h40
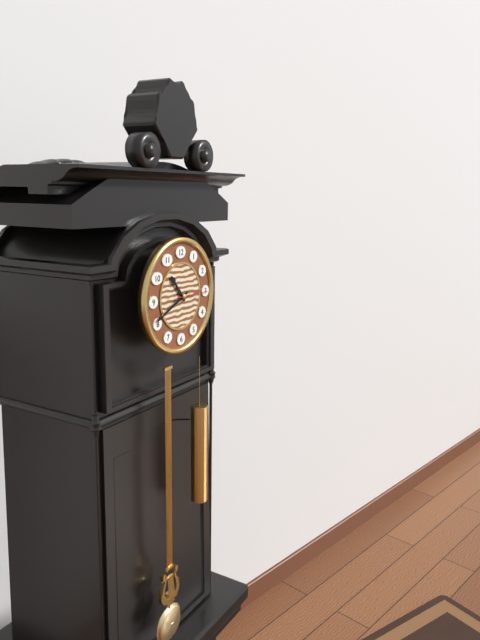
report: 10h41
